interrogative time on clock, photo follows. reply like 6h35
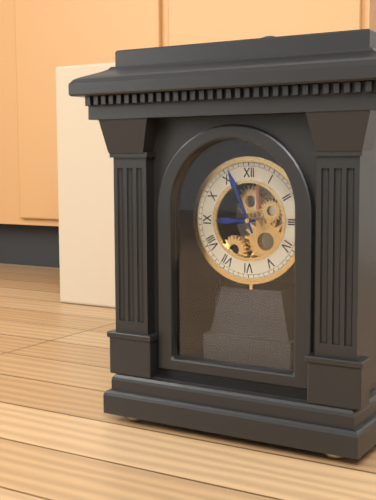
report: 8h56
